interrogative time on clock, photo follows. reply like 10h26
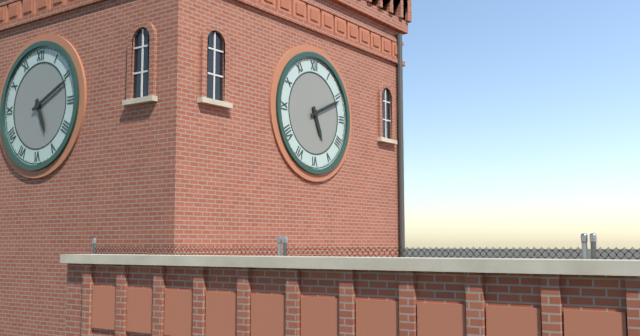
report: 5h11
